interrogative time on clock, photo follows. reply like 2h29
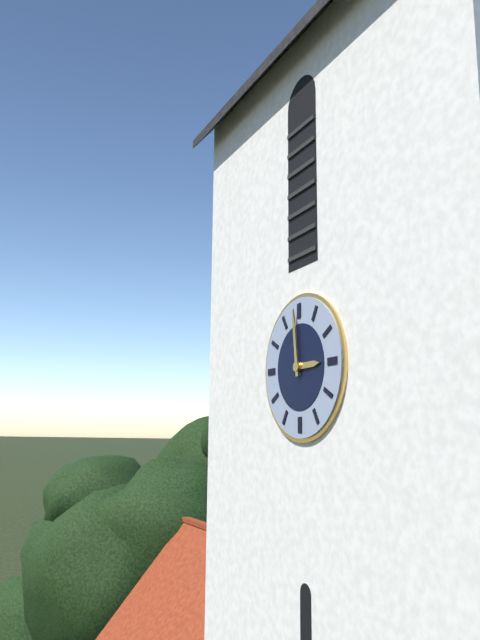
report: 2h59
